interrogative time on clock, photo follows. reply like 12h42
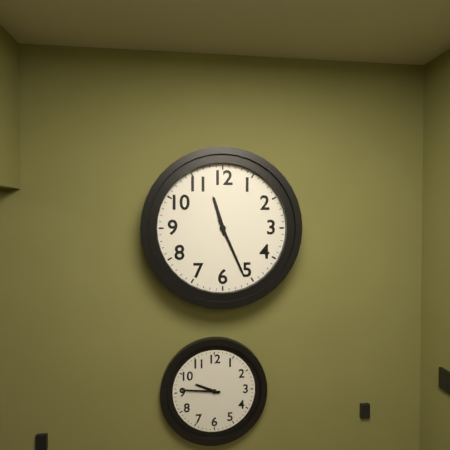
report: 11h26
